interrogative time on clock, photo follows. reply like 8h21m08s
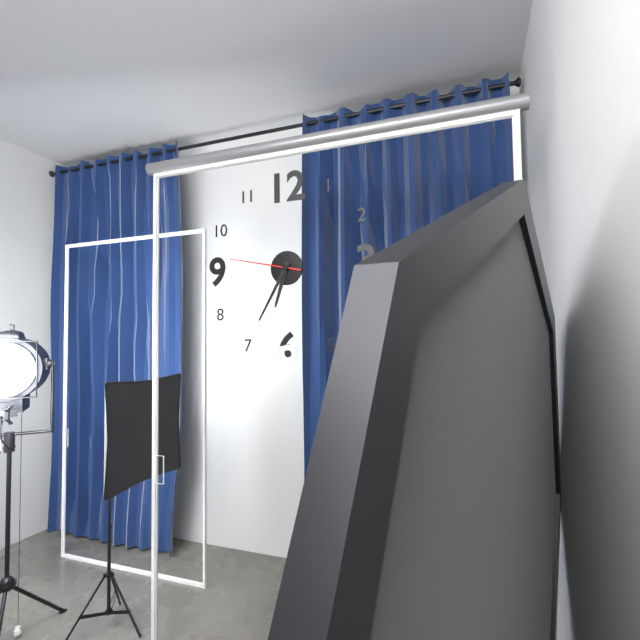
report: 6h35m47s
